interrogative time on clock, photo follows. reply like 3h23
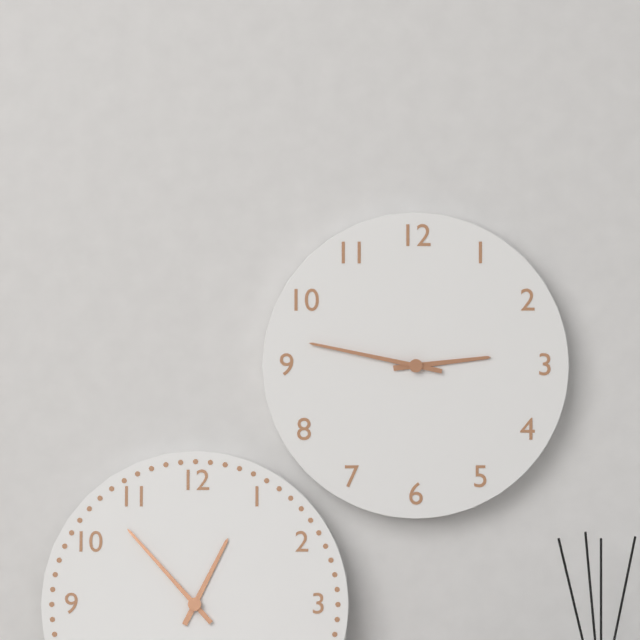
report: 2h47
